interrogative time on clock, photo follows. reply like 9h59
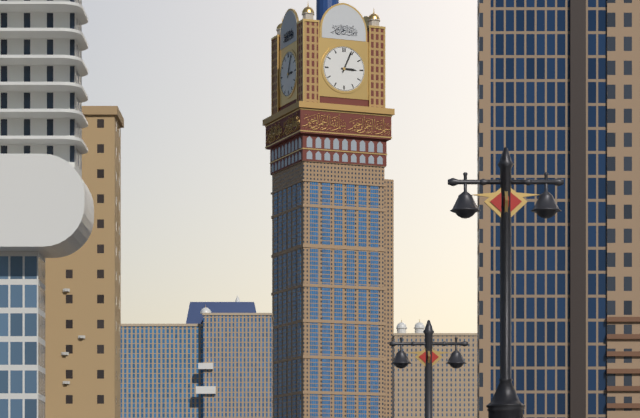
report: 3h04
